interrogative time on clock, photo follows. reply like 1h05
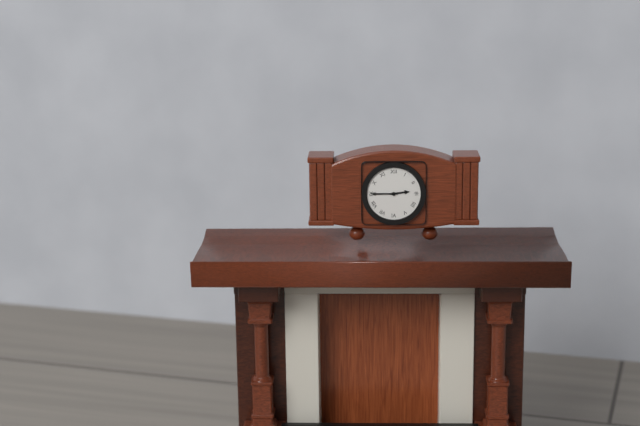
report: 2h45
